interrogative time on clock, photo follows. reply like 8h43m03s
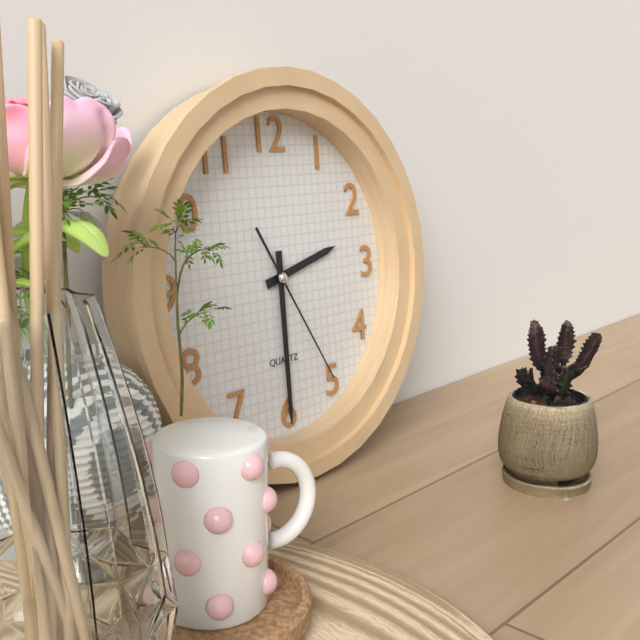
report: 2h30m25s
